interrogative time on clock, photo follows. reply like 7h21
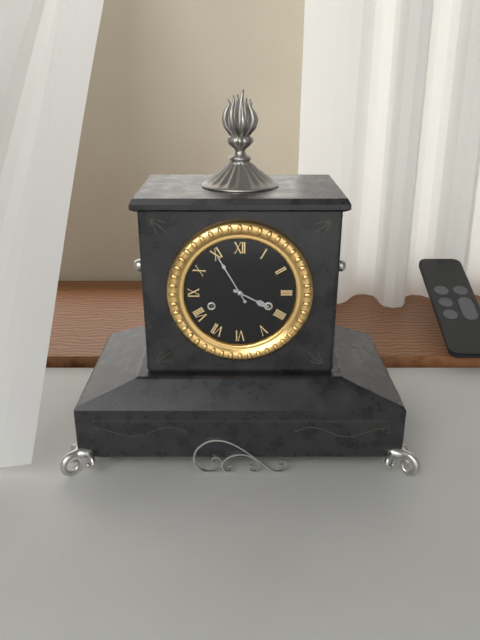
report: 3h55
